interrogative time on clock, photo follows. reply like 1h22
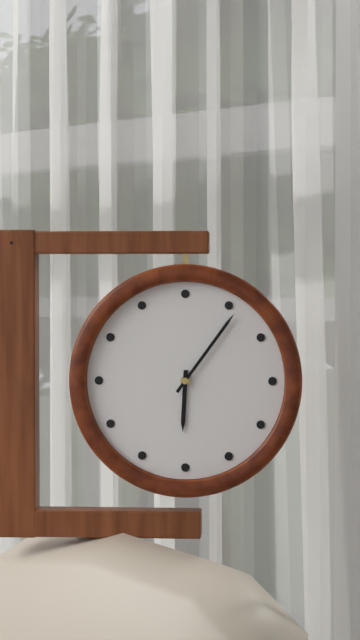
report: 6h06
